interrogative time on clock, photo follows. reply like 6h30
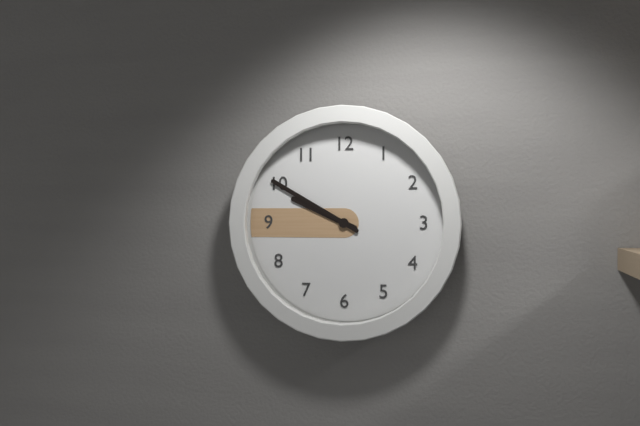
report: 9h50
